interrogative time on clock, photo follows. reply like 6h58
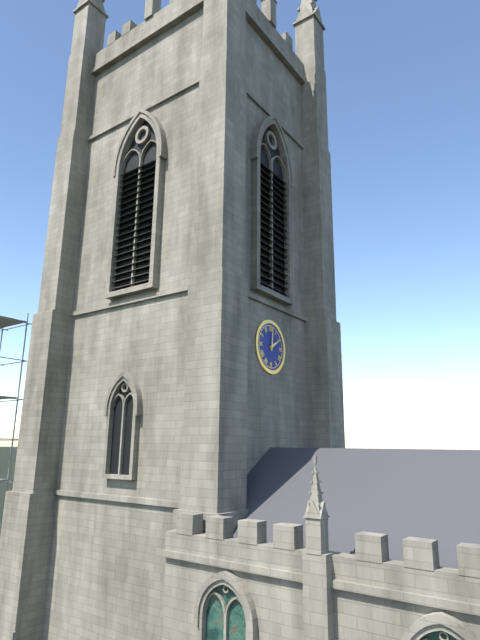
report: 2h01
